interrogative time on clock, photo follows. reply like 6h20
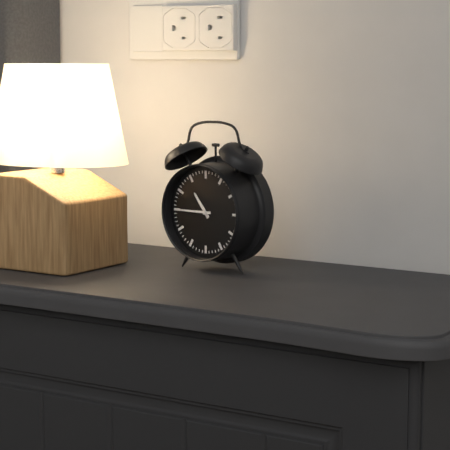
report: 10h45
